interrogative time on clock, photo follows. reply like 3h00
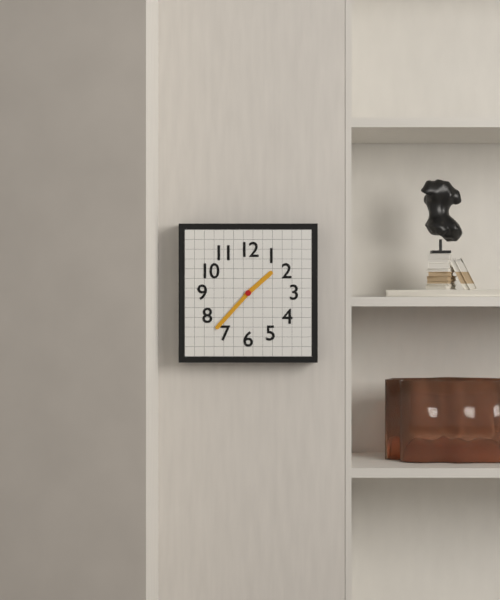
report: 1h37
